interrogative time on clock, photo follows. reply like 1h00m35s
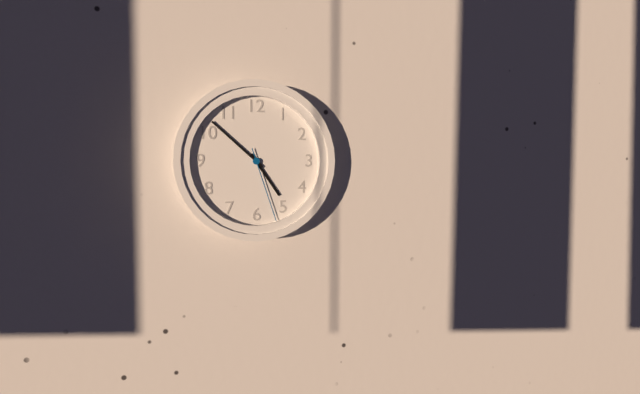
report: 4h52m27s
